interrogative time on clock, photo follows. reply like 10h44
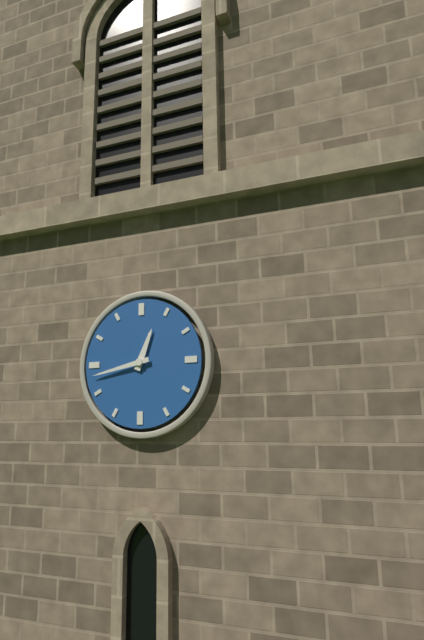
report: 12h43
